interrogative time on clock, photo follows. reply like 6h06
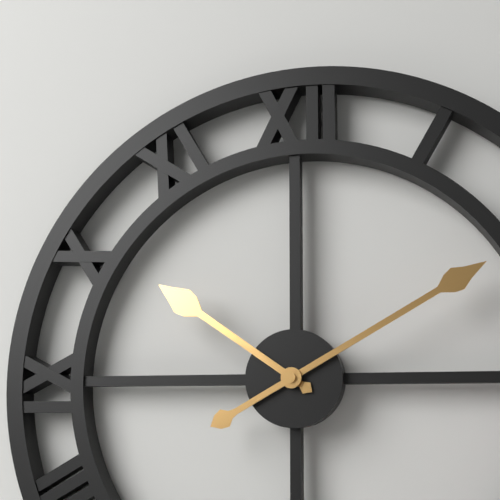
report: 10h10
